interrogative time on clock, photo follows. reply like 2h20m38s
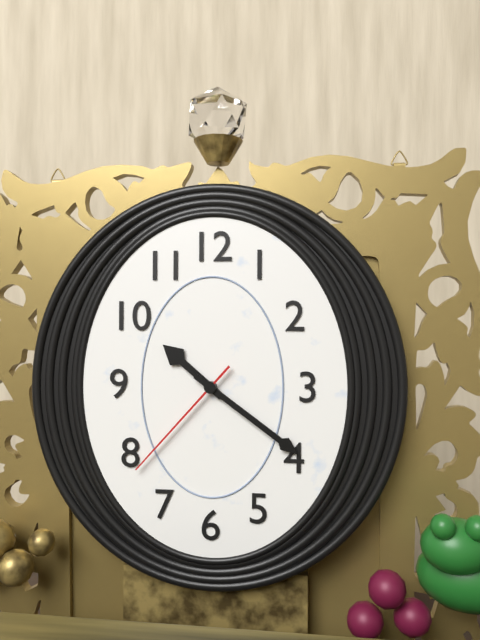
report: 10h21m37s
